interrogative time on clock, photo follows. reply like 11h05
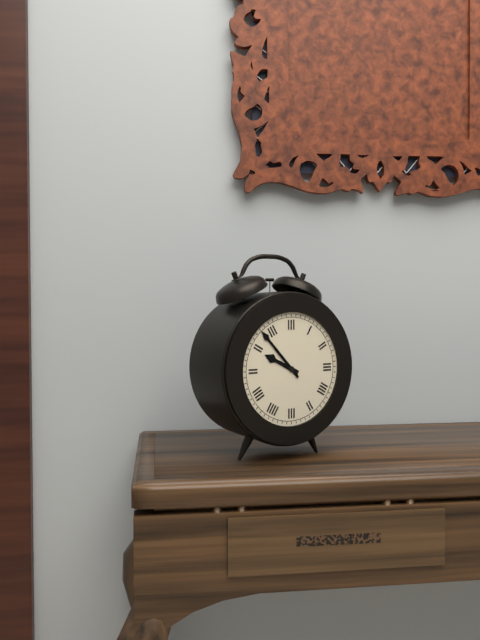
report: 9h53
